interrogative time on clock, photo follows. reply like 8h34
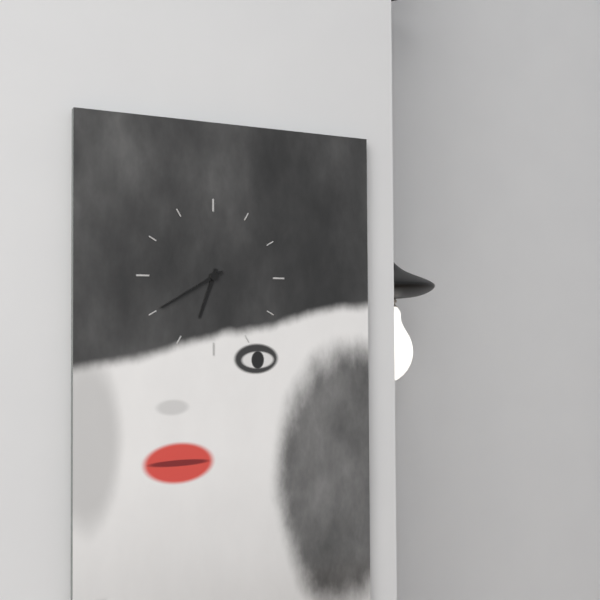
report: 6h40
